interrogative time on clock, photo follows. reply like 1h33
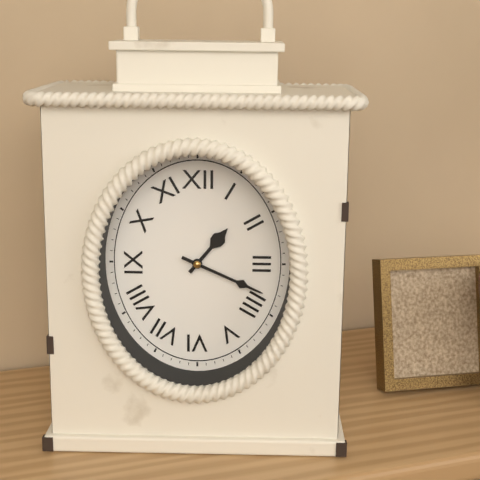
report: 1h19
